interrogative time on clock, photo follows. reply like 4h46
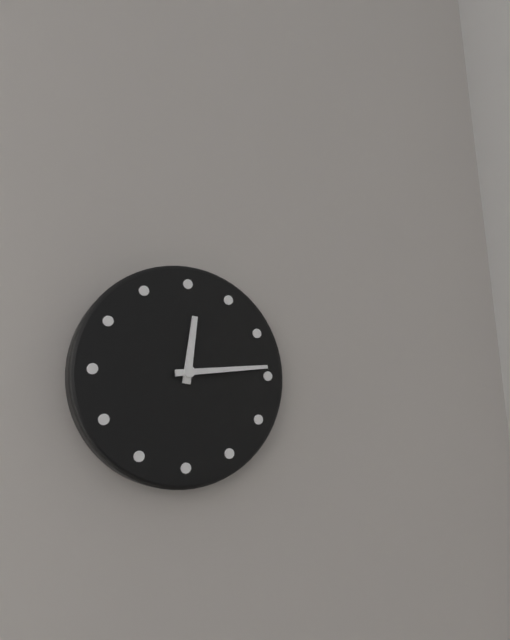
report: 12h14
